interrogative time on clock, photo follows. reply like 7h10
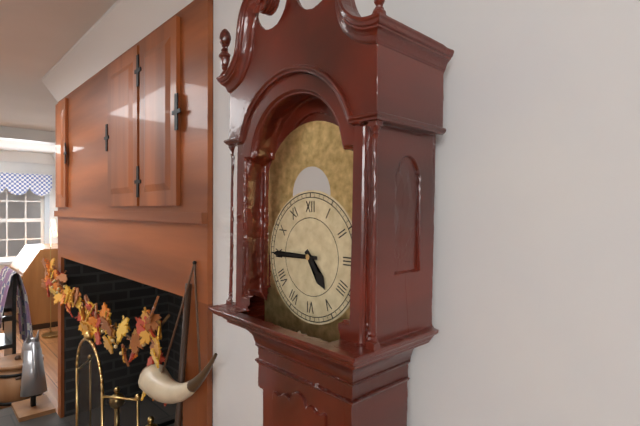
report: 4h45
